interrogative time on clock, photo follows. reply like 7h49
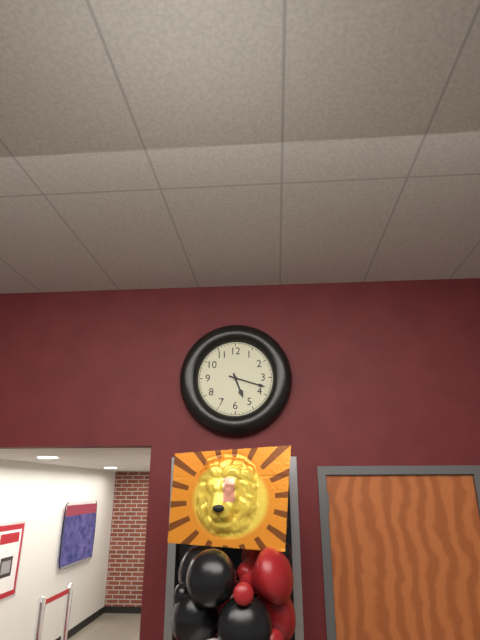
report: 5h18
